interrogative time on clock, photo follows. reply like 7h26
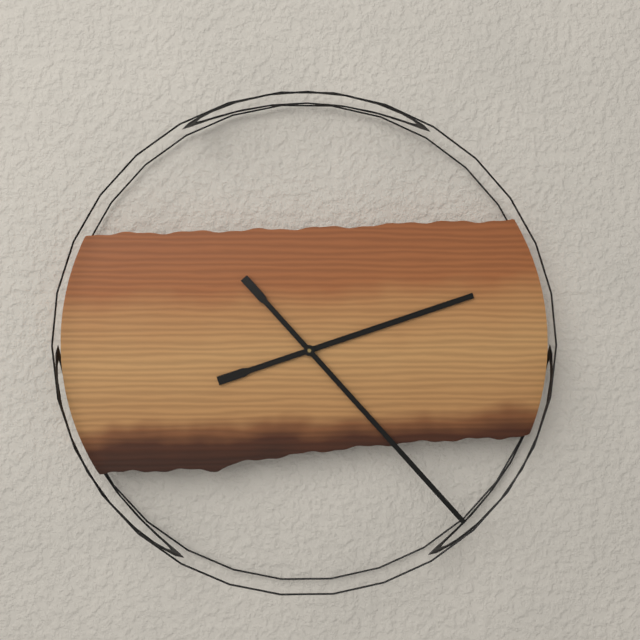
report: 2h23
